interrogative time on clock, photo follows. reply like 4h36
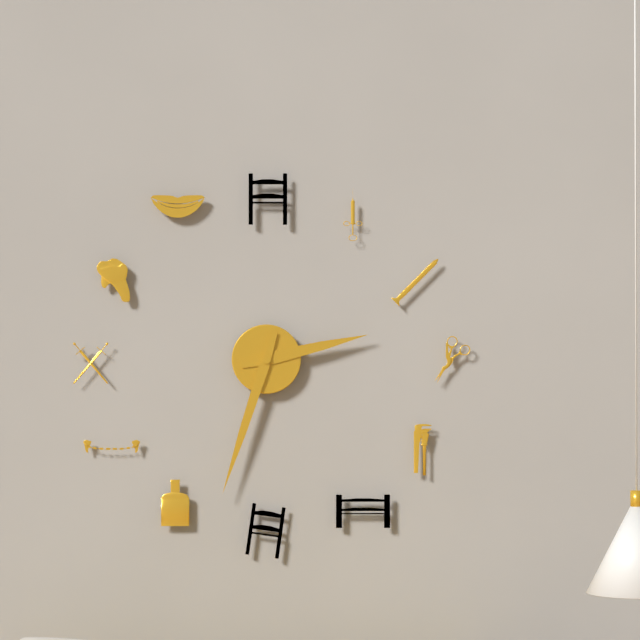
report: 2h33
